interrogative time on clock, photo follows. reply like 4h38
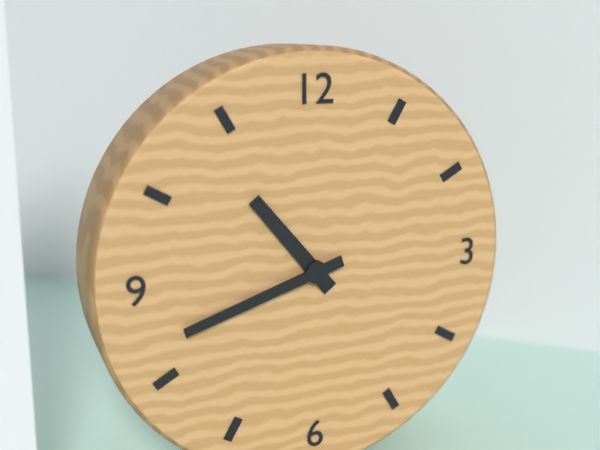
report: 10h42
